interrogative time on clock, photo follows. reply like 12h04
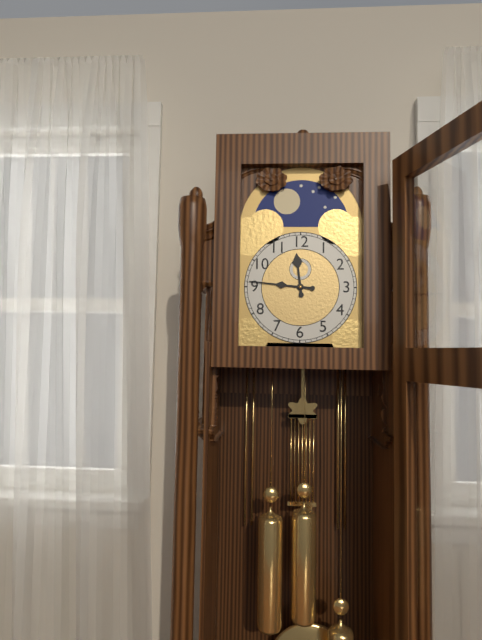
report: 11h46
